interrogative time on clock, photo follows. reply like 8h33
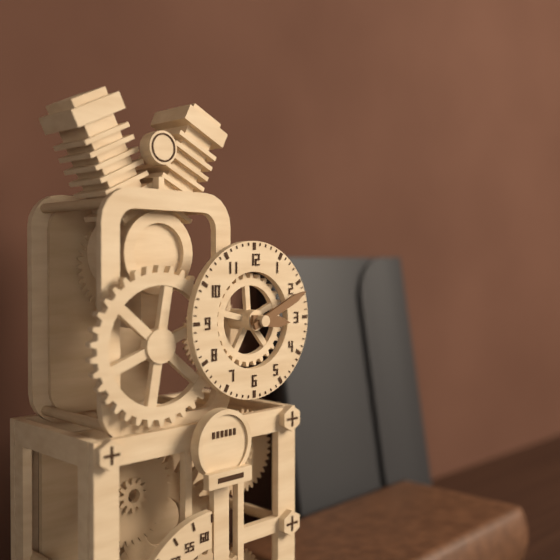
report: 3h11
